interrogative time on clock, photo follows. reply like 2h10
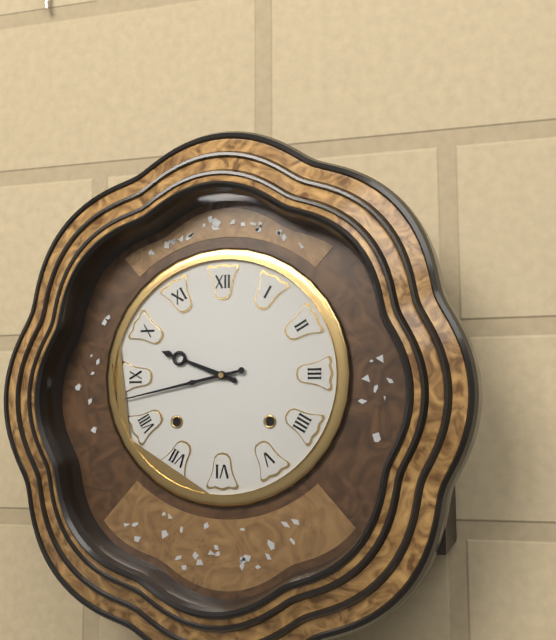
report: 9h43
